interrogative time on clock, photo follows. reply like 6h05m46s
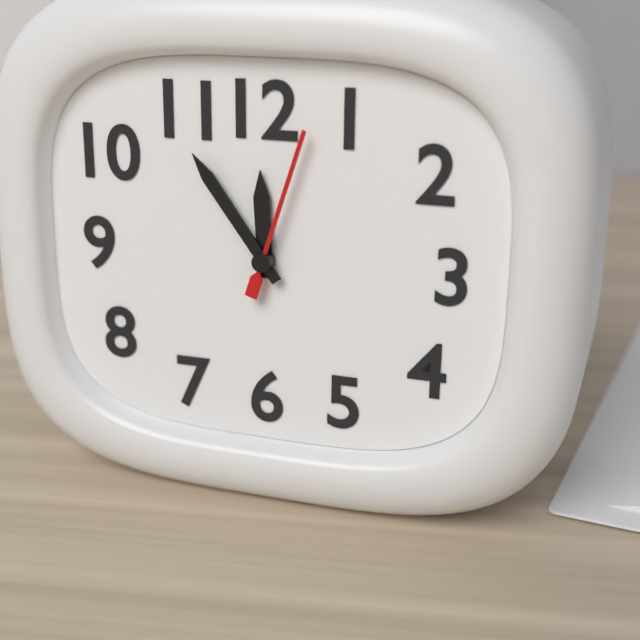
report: 11h54m03s
